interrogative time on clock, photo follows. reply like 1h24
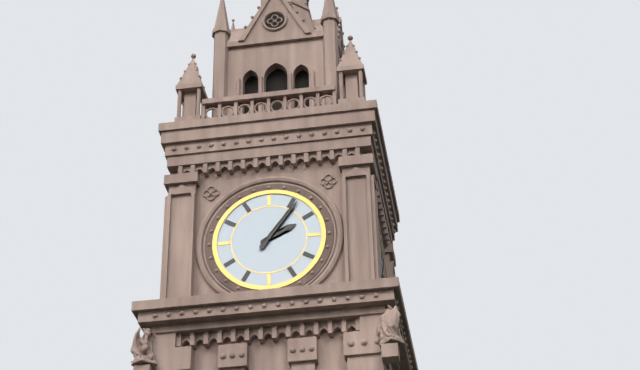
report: 2h06
